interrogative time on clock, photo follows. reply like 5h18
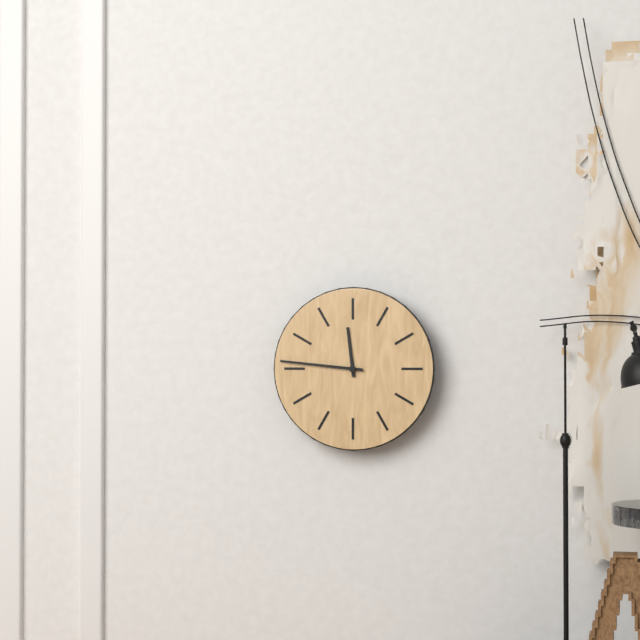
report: 11h46
